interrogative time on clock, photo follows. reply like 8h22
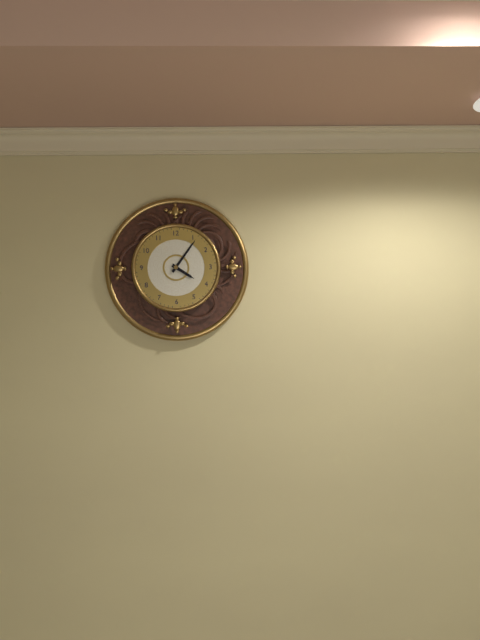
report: 4h06
